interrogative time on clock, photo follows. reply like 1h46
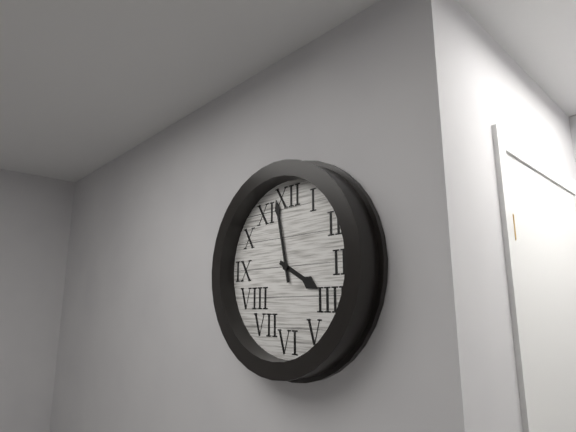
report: 3h58
